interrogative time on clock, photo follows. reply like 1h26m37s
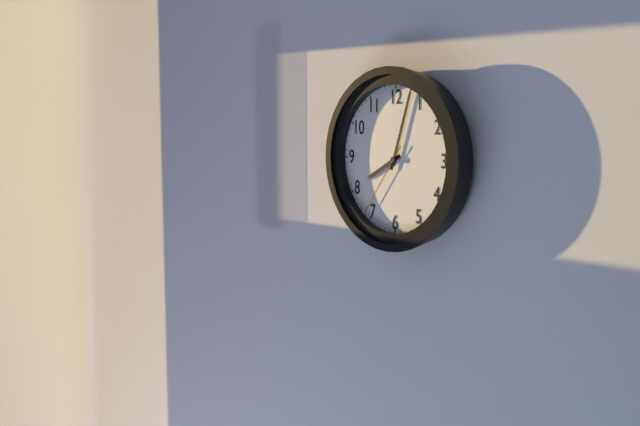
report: 8h03m36s
